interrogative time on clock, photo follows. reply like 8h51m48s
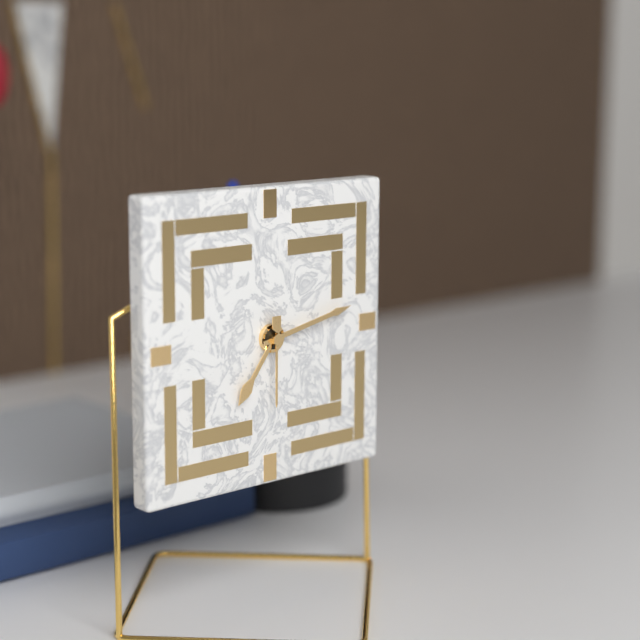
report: 7h13m30s
